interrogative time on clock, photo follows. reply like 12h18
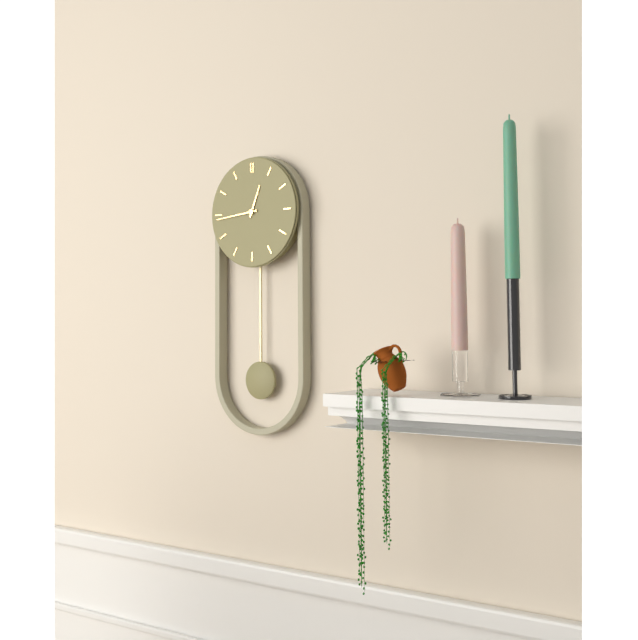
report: 12h44
